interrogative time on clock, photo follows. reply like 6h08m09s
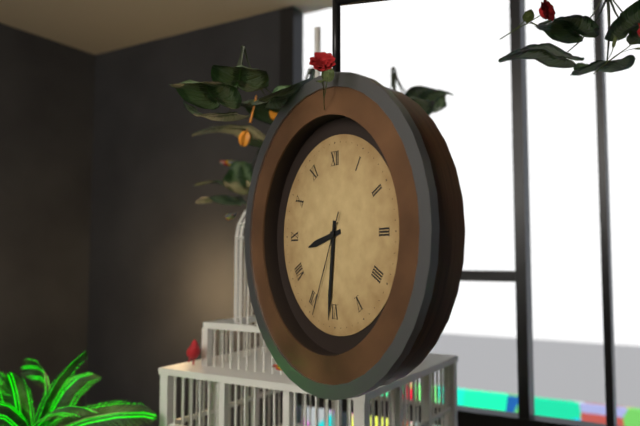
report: 8h31m34s
